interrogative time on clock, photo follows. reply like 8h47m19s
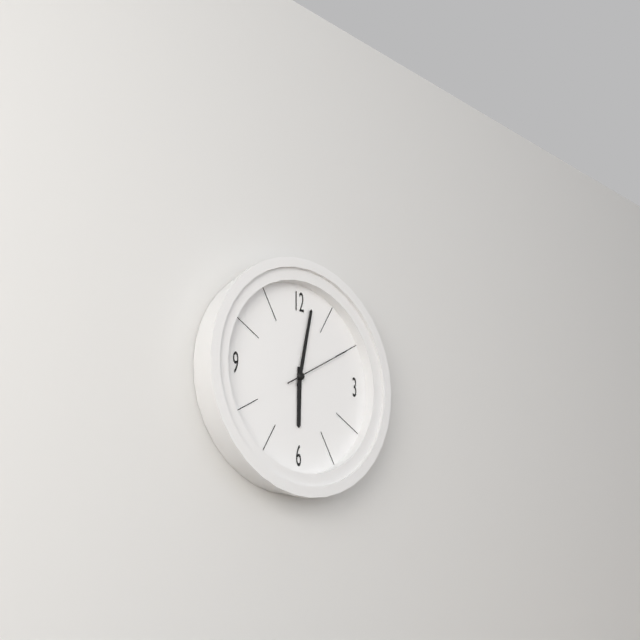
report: 6h02m10s
